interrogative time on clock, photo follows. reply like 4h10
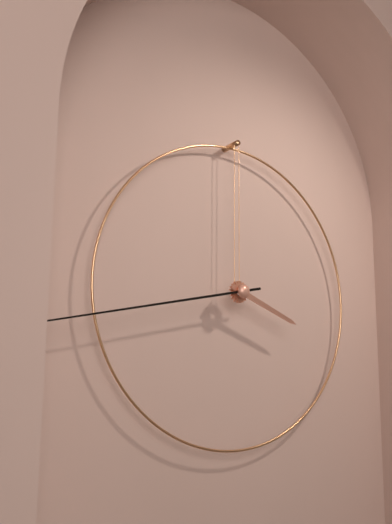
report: 3h43
